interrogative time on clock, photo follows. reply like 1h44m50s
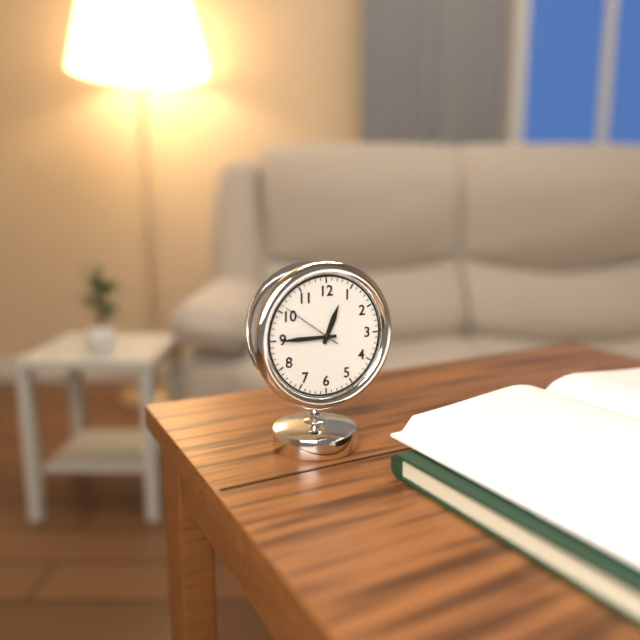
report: 12h45m51s
